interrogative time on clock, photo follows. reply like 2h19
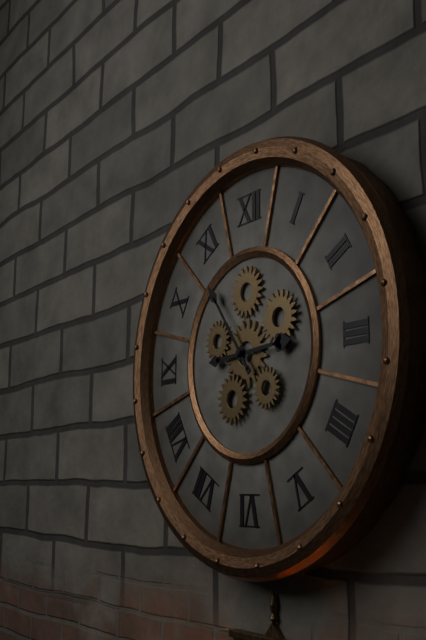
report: 2h54
